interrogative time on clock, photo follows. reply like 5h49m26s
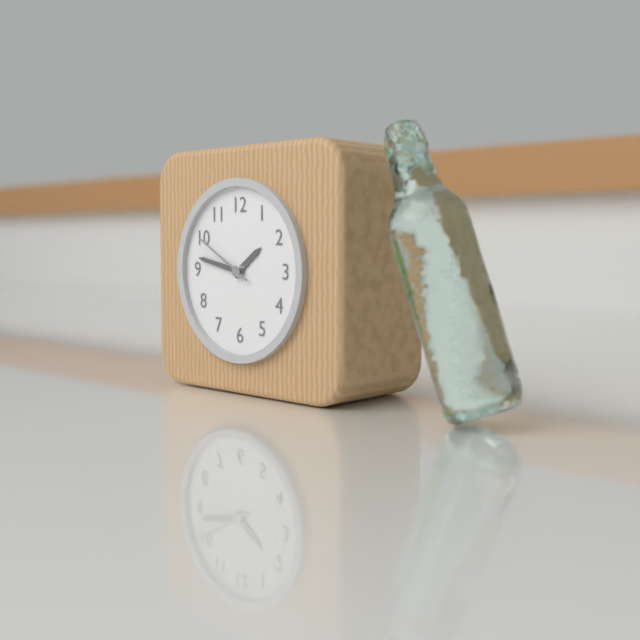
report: 1h47m50s
